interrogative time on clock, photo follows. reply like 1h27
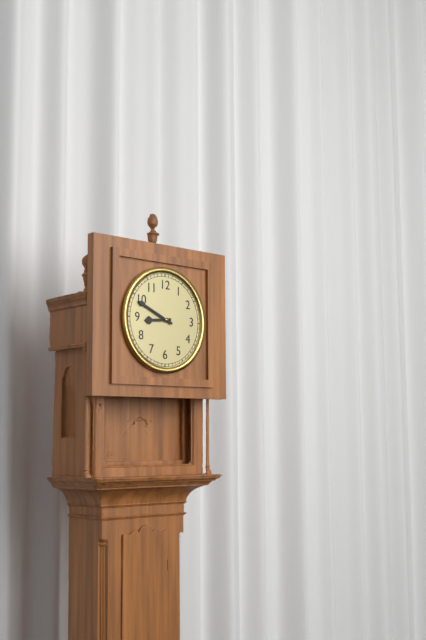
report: 8h49
